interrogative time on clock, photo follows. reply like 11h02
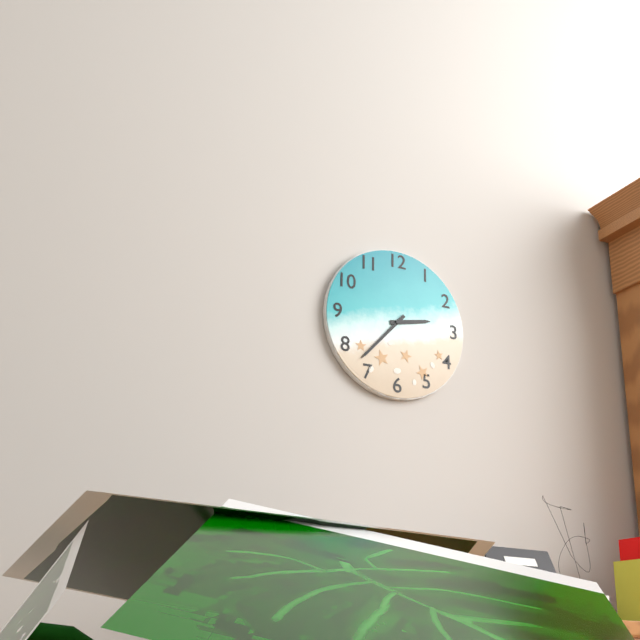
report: 2h37
